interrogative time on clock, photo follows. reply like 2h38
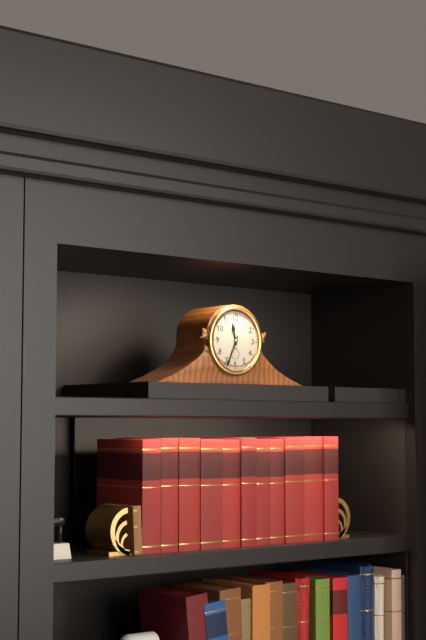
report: 11h34
